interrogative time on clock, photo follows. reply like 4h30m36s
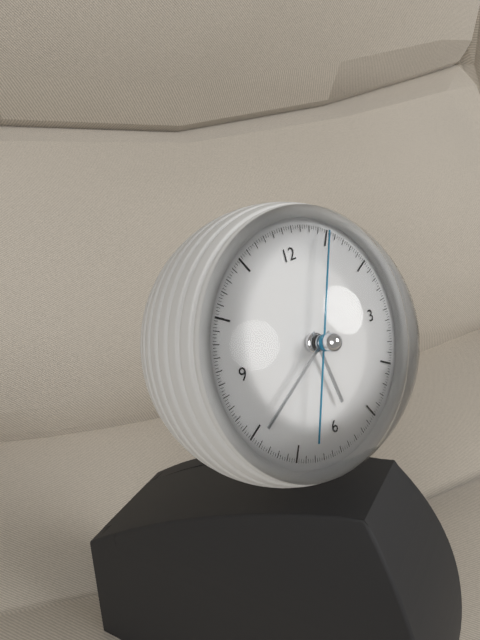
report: 5h40m04s
